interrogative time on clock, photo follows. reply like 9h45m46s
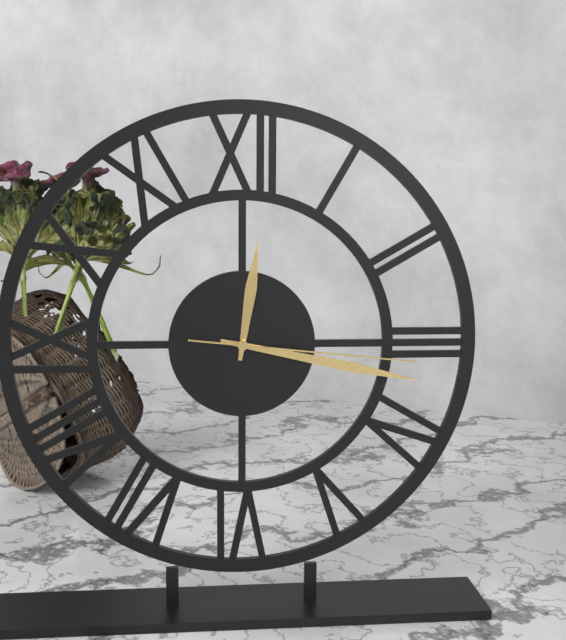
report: 12h17m16s
